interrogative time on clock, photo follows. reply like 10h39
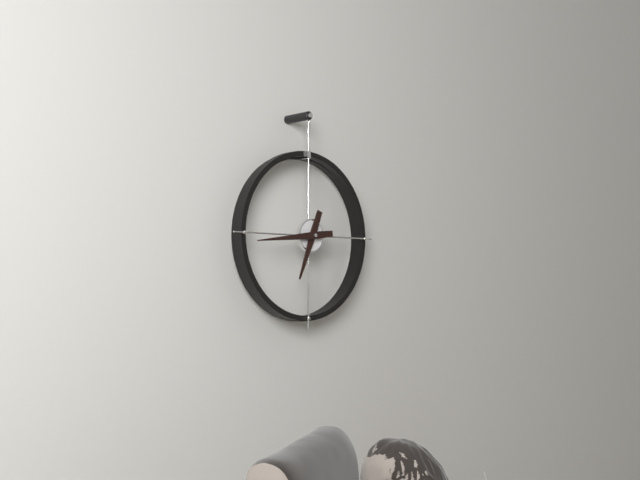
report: 6h44
